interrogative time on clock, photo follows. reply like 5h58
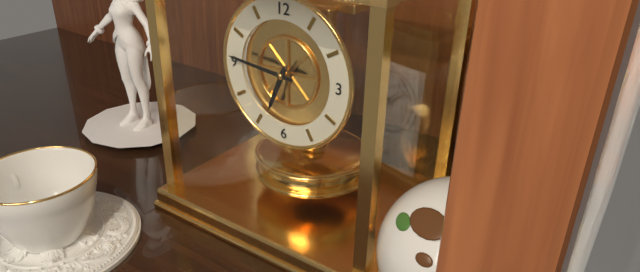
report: 6h46
